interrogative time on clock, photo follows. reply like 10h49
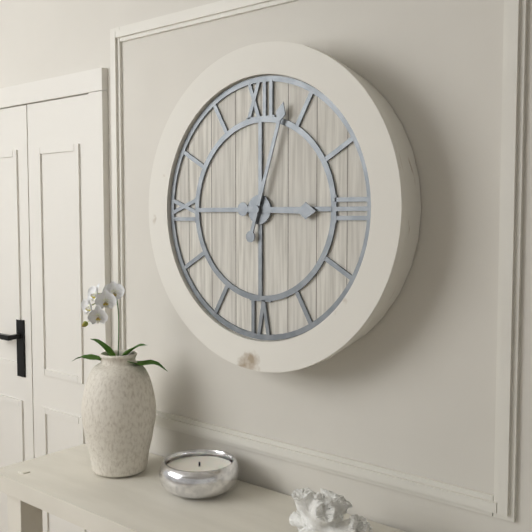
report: 3h03
